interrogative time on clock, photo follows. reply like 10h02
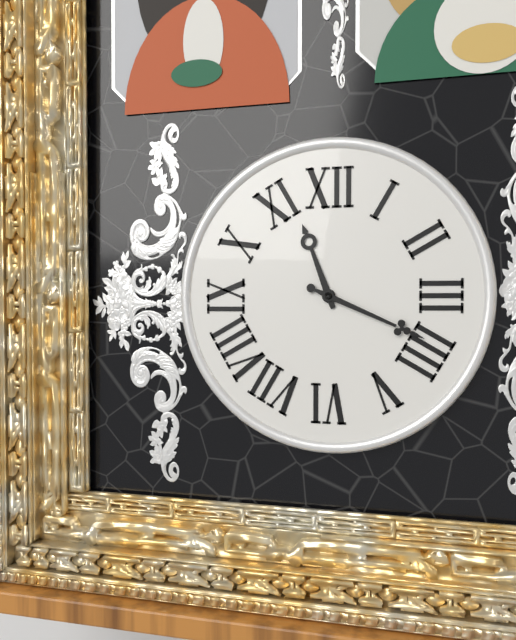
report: 11h19
